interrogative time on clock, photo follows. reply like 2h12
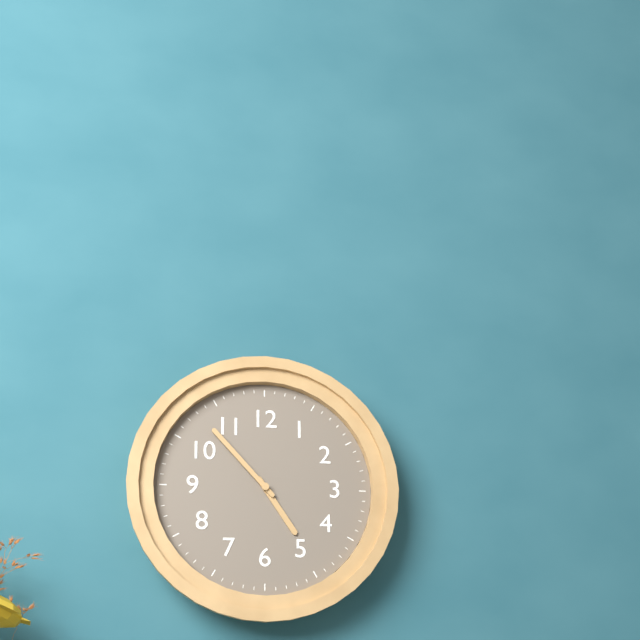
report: 4h53
